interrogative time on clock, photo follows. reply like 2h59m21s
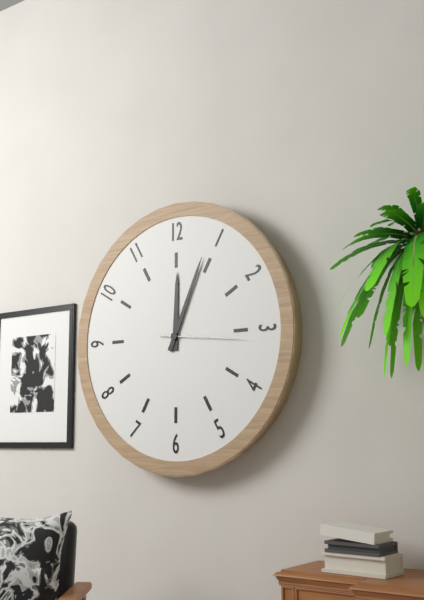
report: 12h04m16s
